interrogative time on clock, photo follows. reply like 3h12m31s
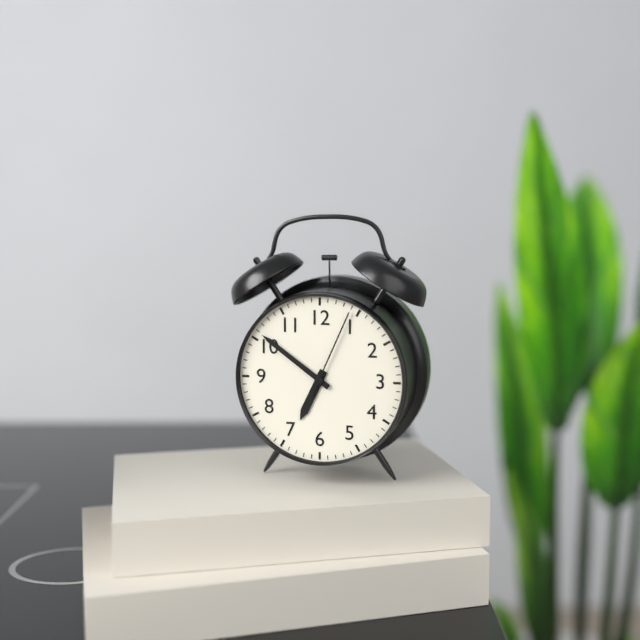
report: 6h51m04s
